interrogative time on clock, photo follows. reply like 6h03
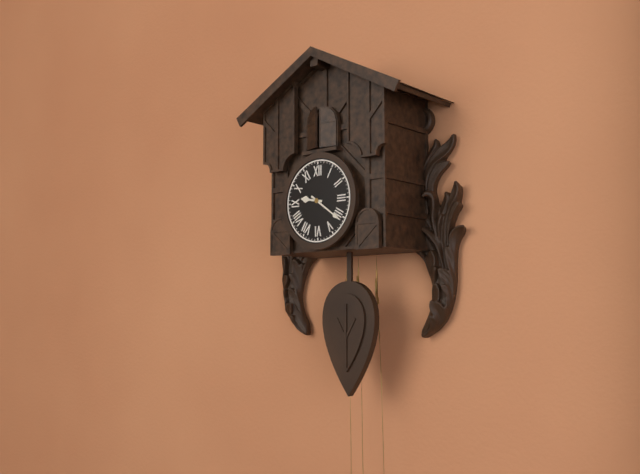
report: 9h21
